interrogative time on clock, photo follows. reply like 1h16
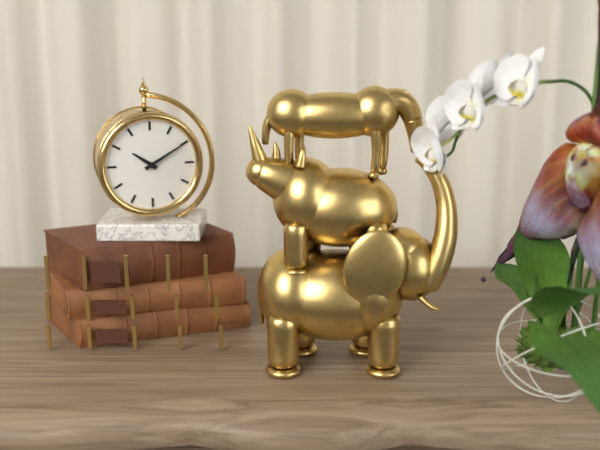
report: 10h10
